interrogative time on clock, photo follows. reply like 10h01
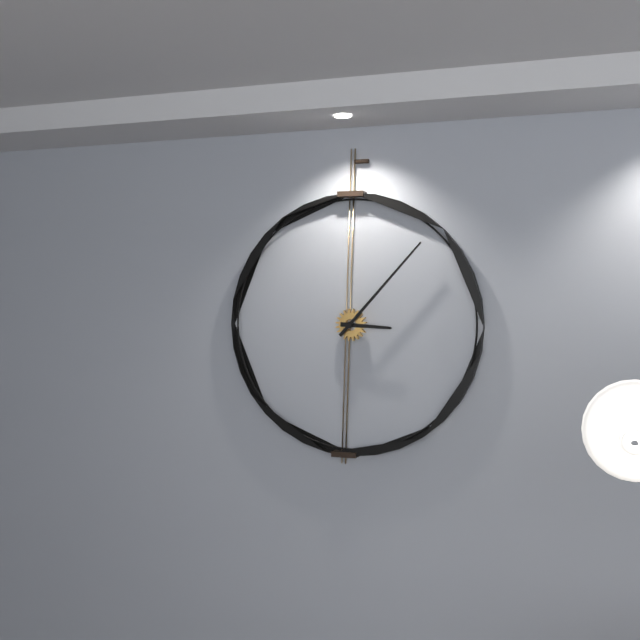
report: 3h07
